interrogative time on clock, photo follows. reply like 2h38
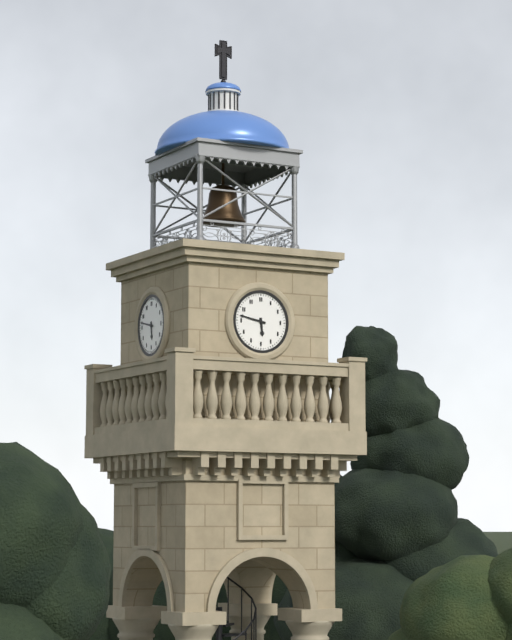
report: 5h47
